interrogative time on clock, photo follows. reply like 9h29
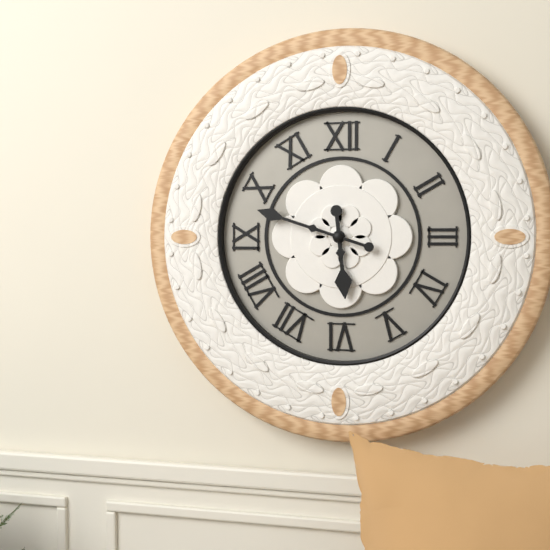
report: 5h48
